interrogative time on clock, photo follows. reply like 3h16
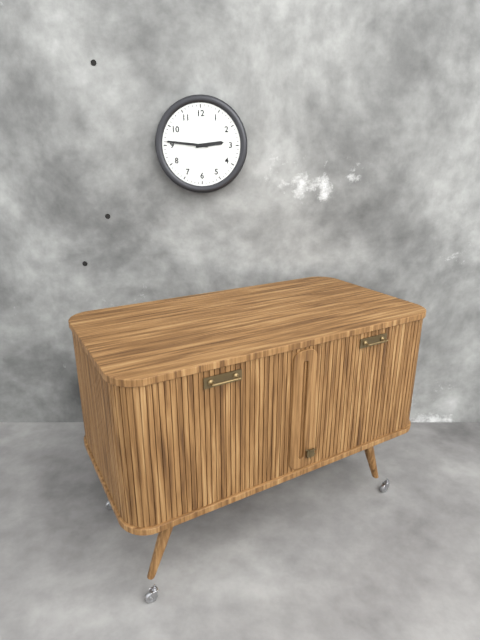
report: 2h46
